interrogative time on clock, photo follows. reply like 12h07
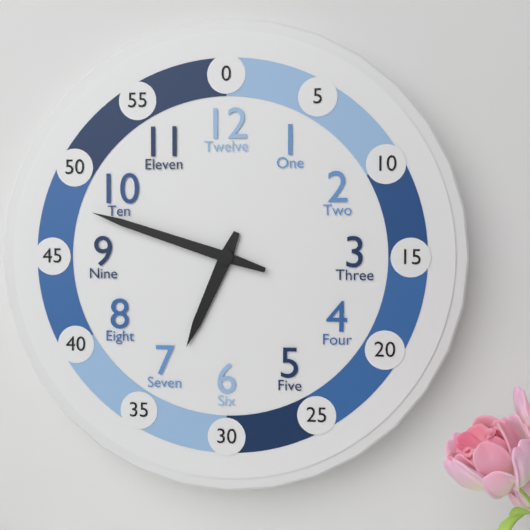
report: 6h48
